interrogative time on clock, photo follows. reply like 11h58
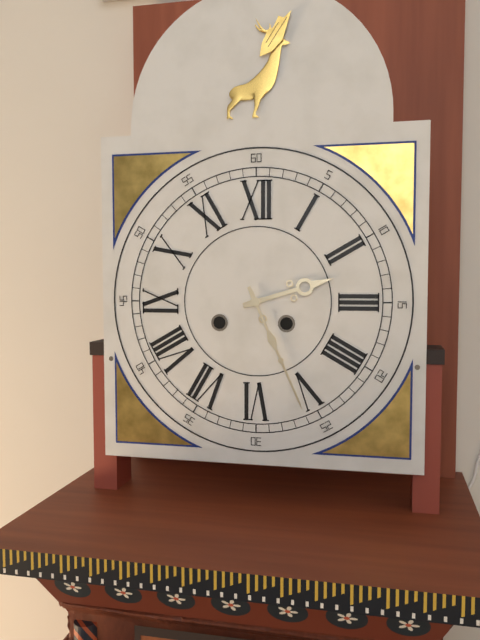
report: 2h26
